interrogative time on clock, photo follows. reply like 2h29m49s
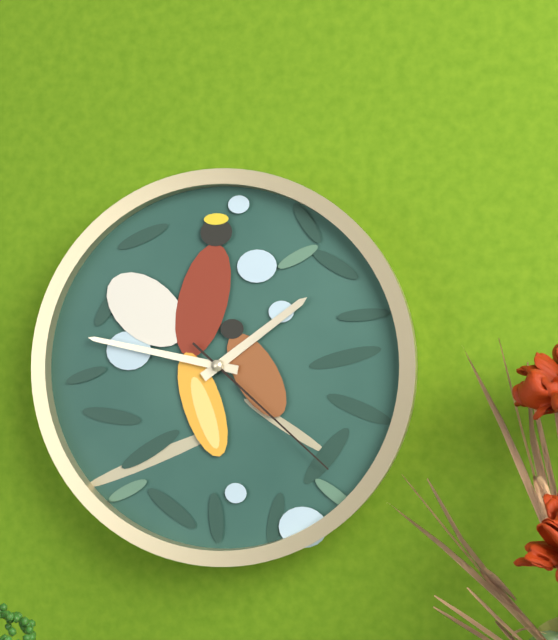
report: 1h47m22s
